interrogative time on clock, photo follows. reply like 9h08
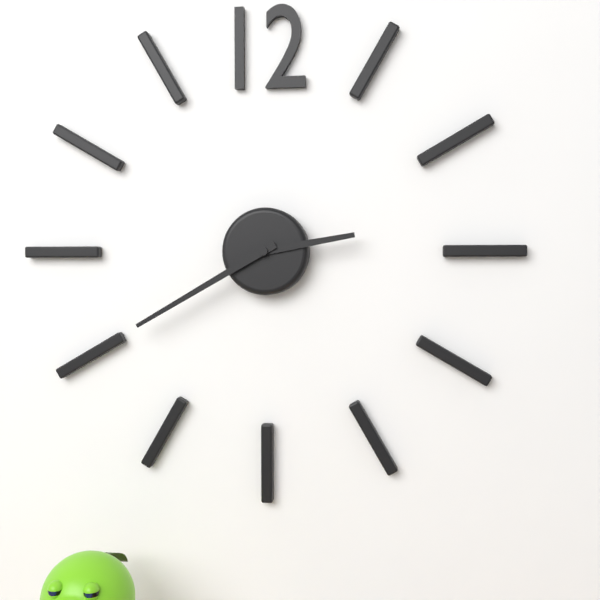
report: 2h40
